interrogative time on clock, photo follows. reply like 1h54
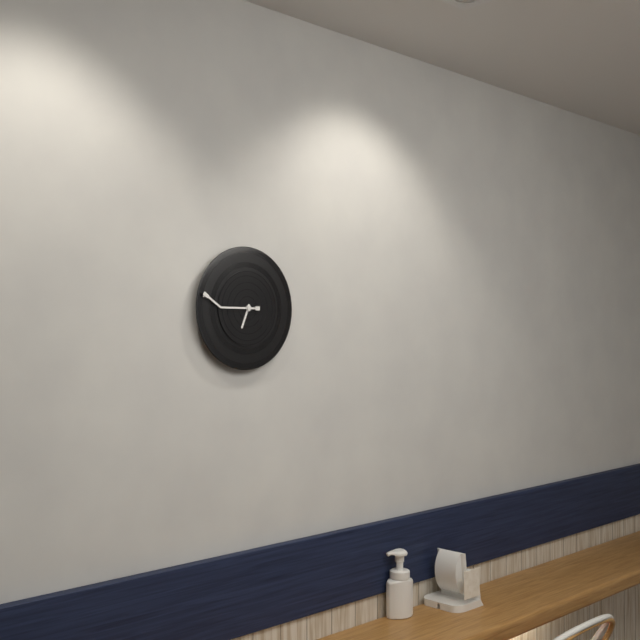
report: 6h45
